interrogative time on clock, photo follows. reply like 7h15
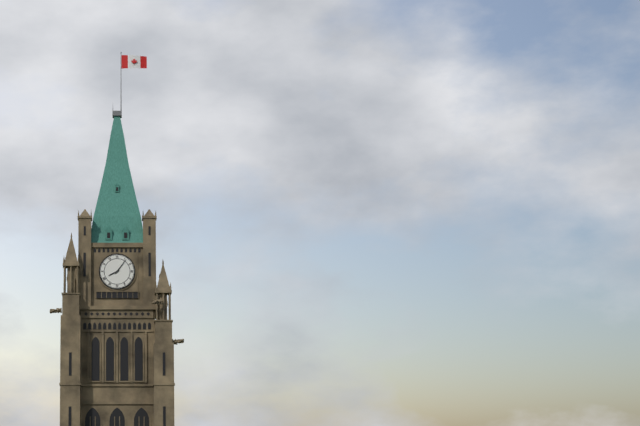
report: 8h06
